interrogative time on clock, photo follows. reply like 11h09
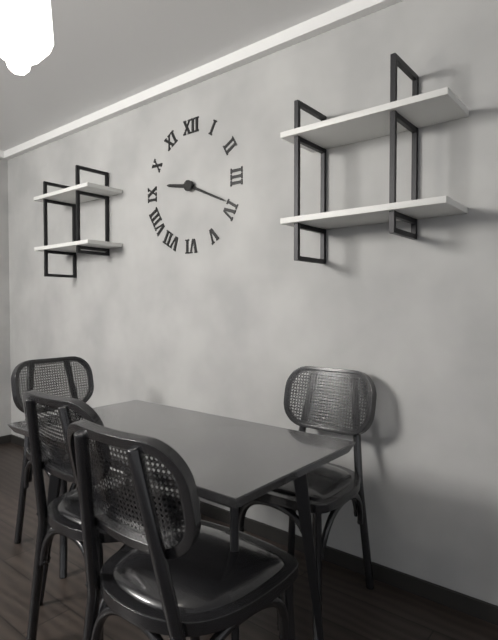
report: 9h19
